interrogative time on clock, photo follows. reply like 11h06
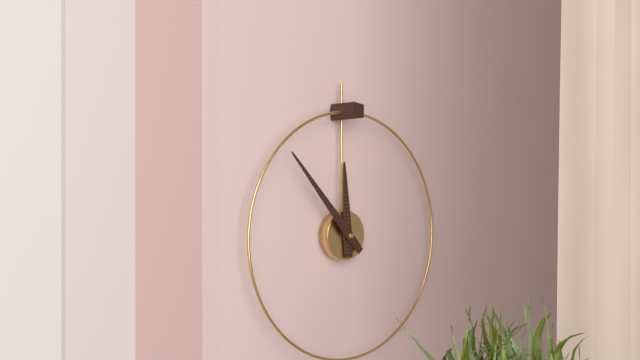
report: 11h53
